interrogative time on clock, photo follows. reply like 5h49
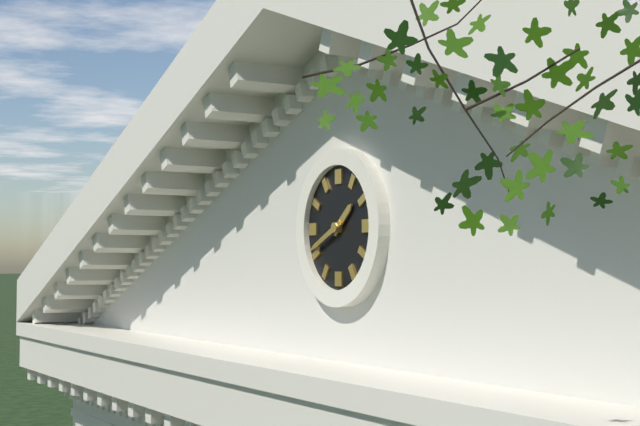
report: 1h41
